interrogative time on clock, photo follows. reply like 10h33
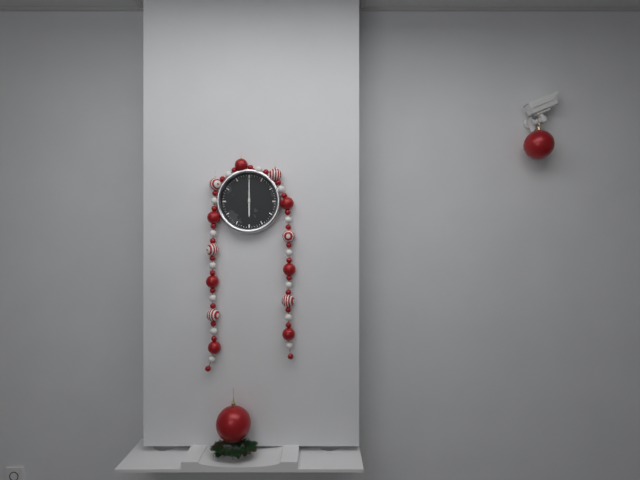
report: 6h00
